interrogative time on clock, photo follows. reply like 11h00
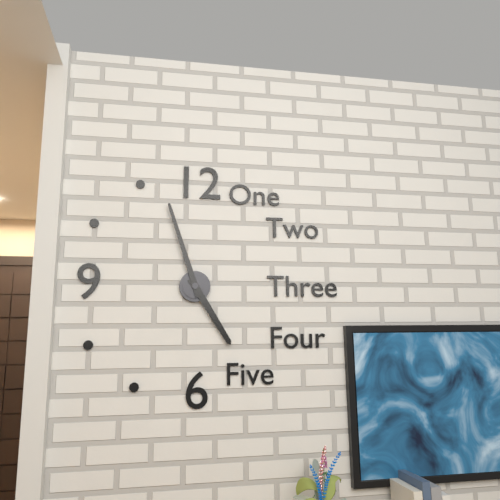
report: 4h57
